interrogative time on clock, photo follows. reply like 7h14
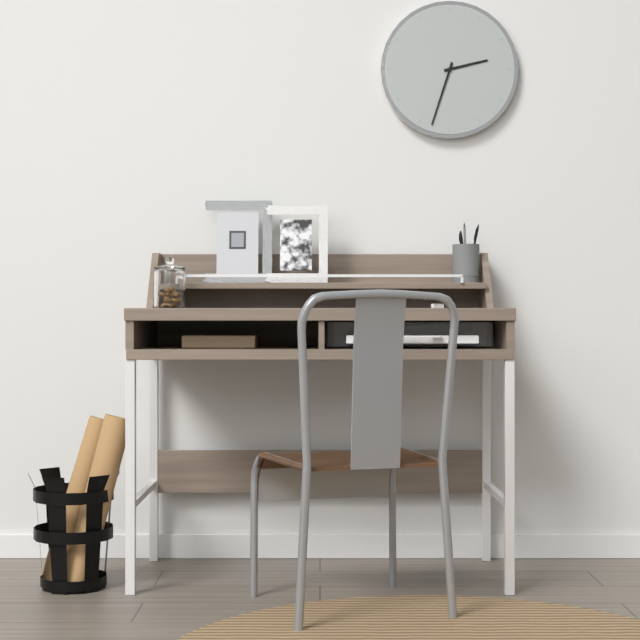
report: 2h33
